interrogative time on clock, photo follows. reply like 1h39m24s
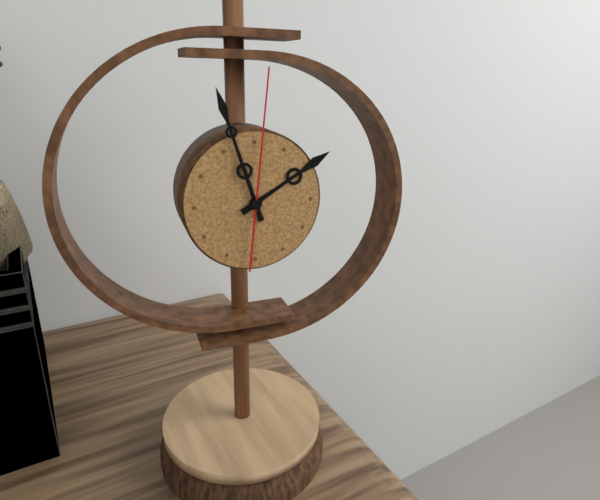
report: 1h57m01s
